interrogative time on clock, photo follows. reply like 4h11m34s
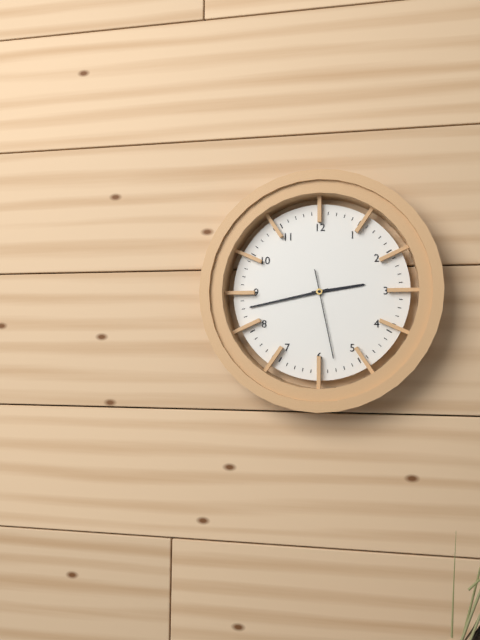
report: 2h43m28s
